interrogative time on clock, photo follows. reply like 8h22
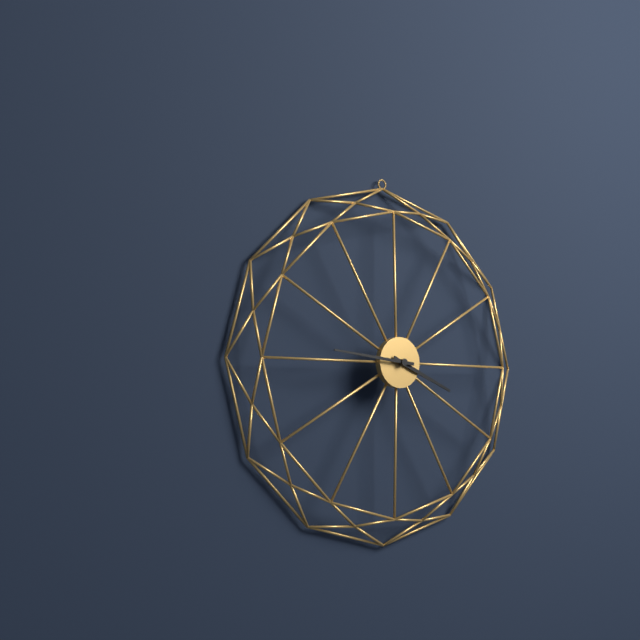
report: 3h46
